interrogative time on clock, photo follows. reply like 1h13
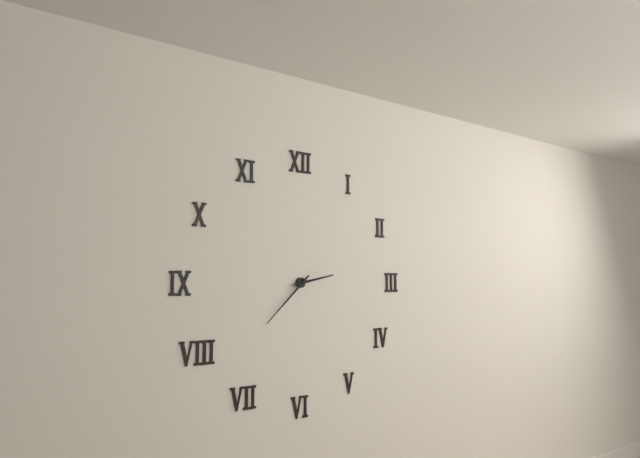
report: 2h38
